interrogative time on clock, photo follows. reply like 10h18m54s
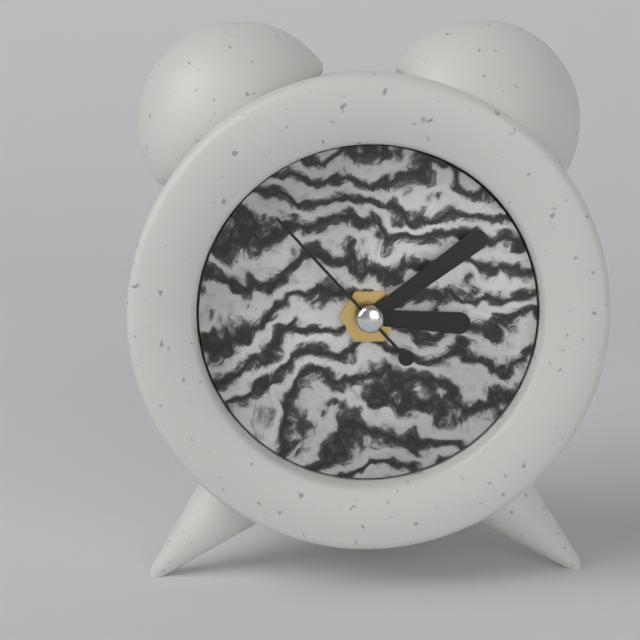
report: 3h09m53s
